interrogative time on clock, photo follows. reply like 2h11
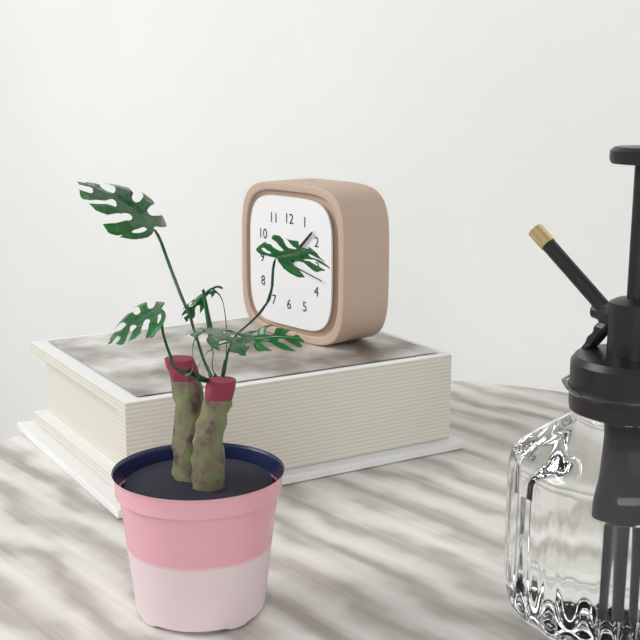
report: 2h08
